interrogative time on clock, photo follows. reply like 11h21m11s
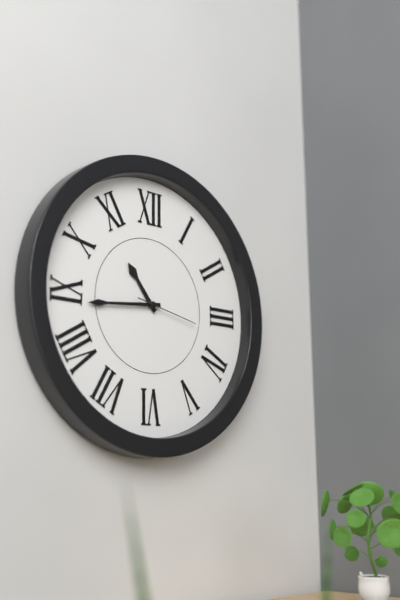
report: 10h44m17s
